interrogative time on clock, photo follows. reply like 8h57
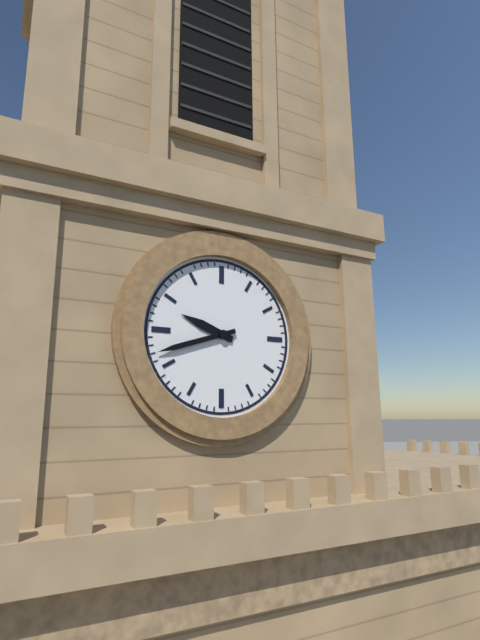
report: 9h42
